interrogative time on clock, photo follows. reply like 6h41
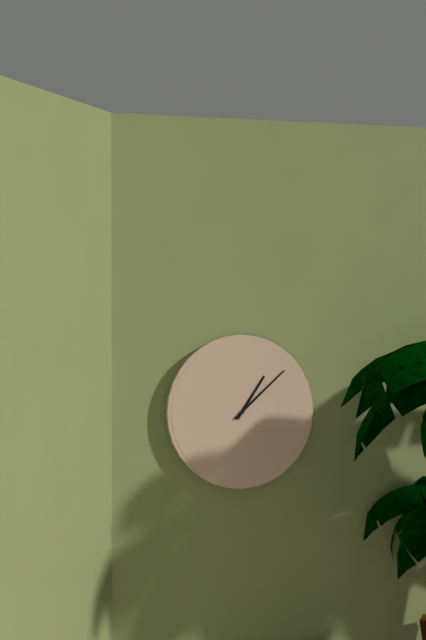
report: 1h08
